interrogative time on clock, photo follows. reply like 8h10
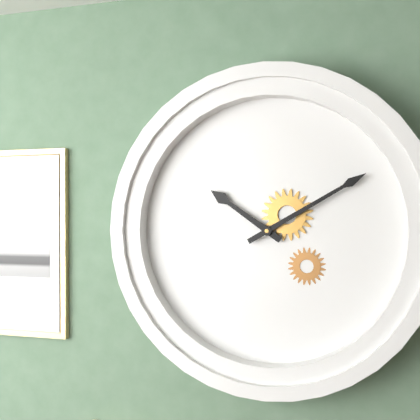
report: 10h10
